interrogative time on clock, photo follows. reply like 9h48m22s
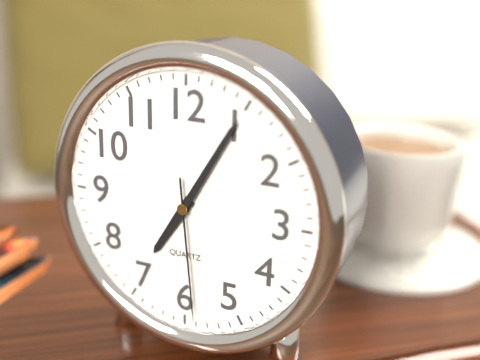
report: 7h05m29s
